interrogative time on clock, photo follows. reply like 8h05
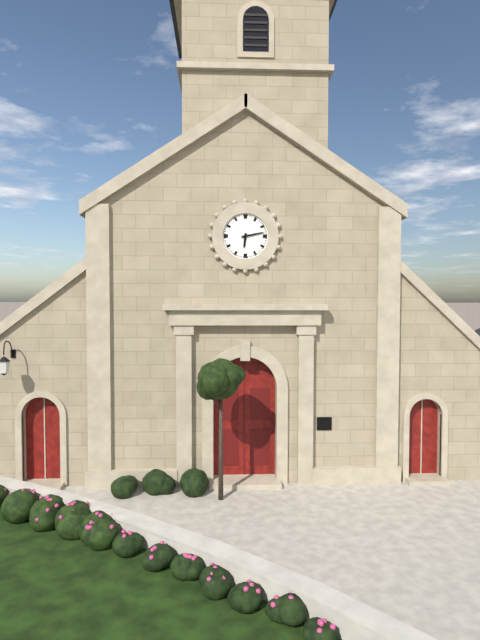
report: 6h13
